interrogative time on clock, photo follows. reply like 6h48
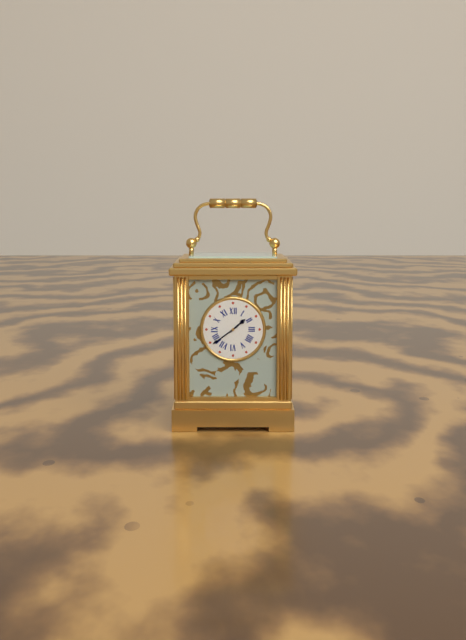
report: 1h39
